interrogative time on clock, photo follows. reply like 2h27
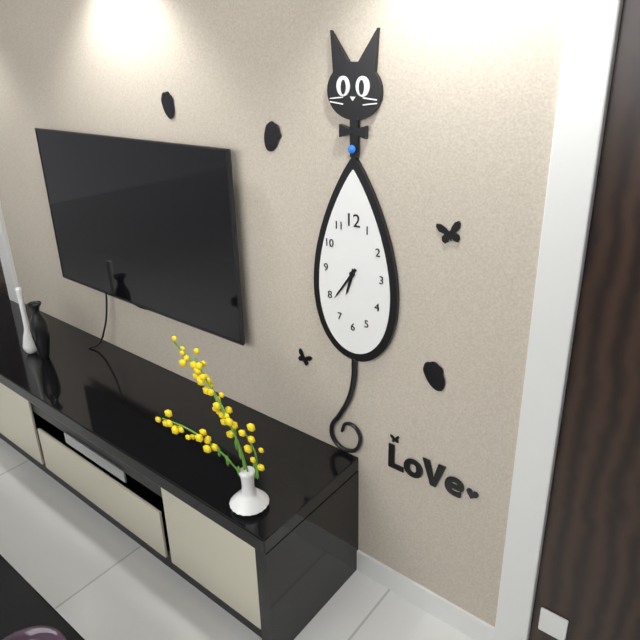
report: 6h36
